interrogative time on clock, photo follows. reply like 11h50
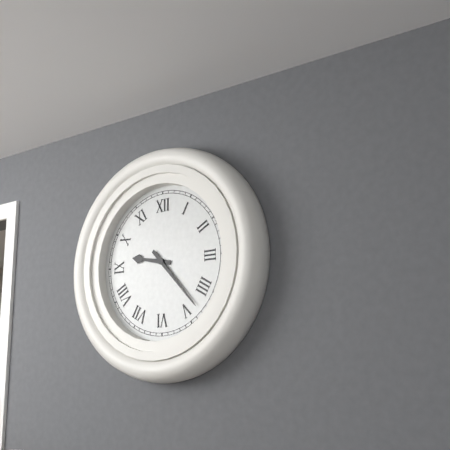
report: 9h23
